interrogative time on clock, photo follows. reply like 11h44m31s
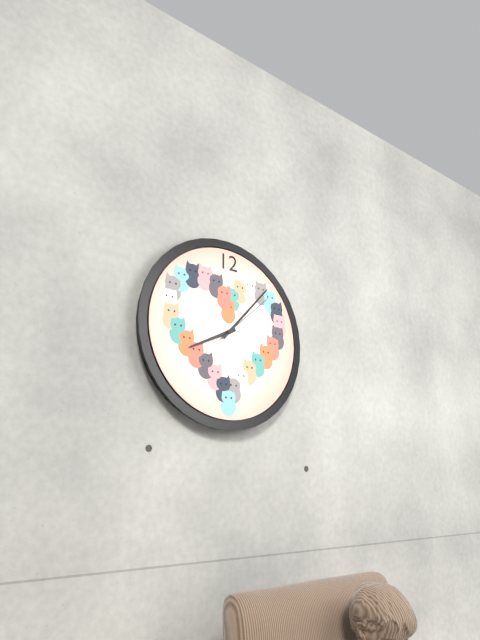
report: 8h07m08s
